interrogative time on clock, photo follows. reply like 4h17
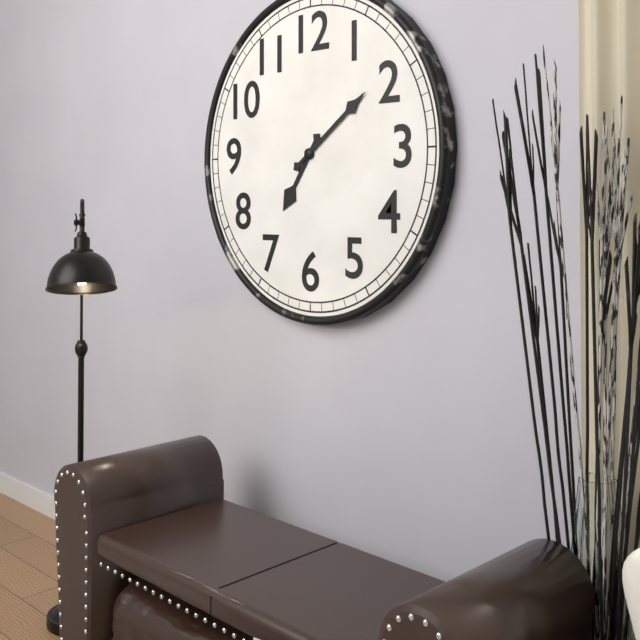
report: 7h09
